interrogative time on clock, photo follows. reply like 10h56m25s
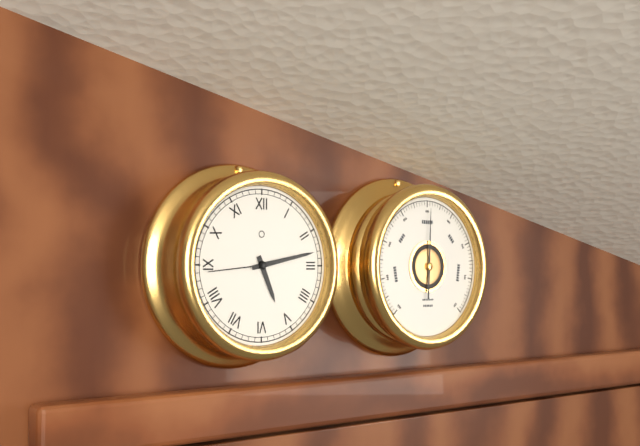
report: 5h13m44s
